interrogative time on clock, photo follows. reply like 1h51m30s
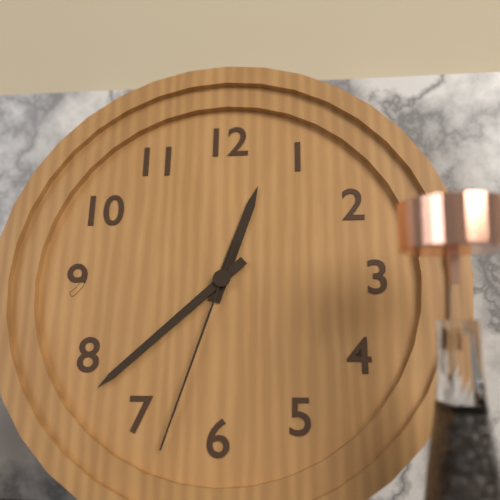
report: 12h38m33s
